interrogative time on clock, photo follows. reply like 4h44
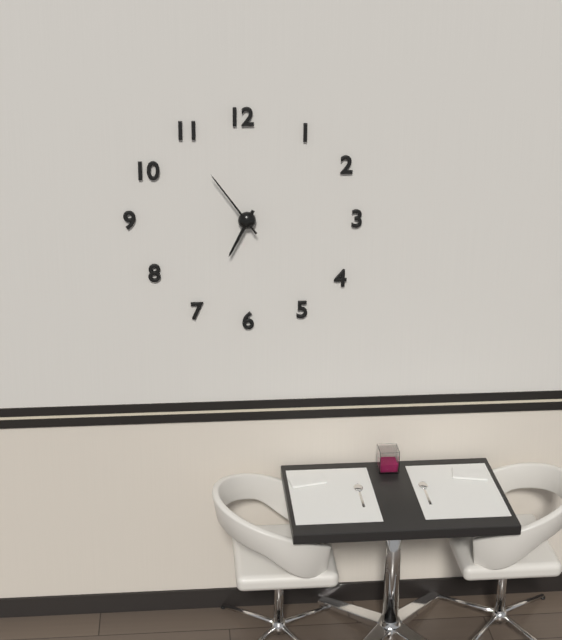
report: 6h54
